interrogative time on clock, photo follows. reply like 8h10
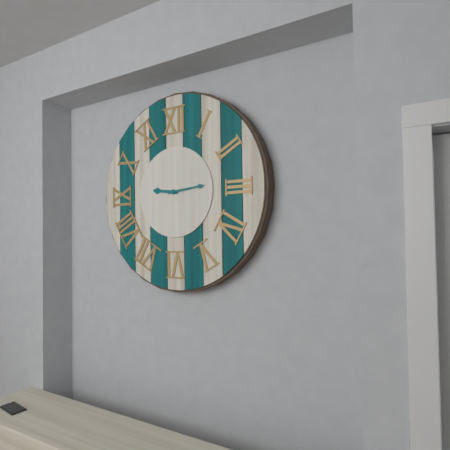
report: 9h14
